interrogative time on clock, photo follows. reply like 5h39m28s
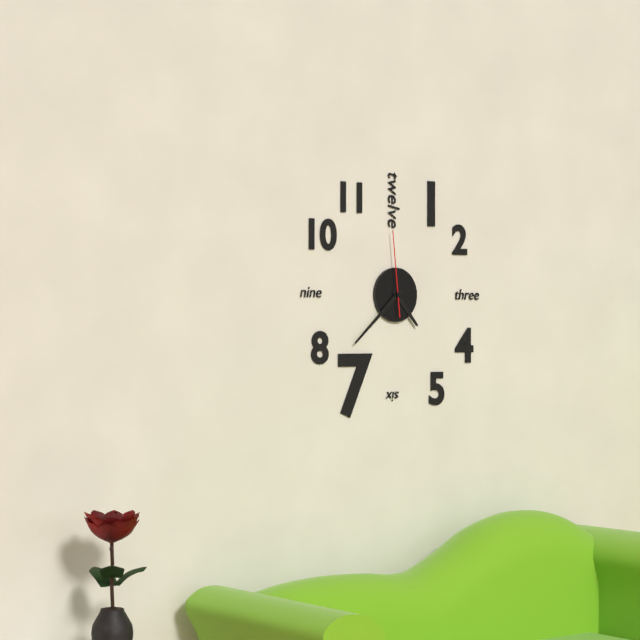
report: 4h38m59s
